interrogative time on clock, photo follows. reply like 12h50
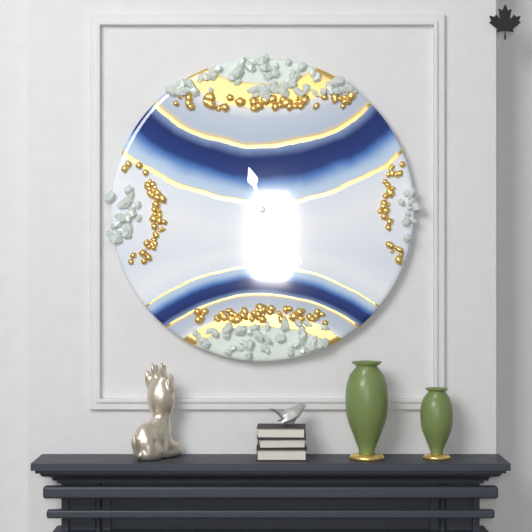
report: 11h24
